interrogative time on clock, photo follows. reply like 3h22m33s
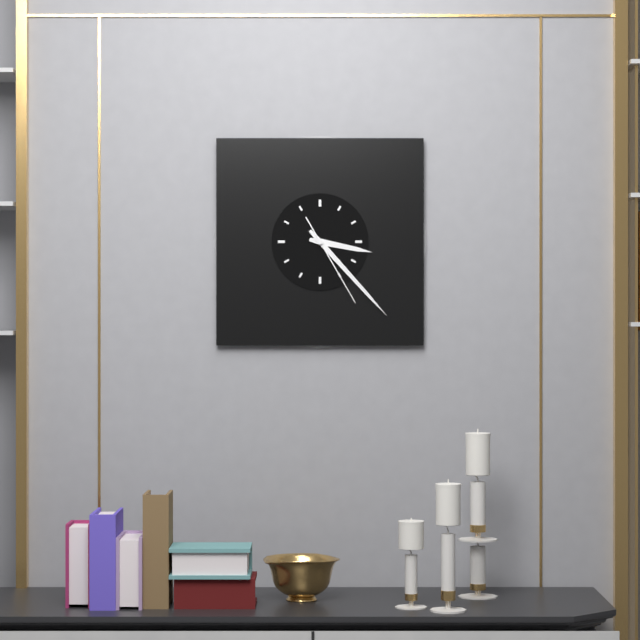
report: 3h23m25s
